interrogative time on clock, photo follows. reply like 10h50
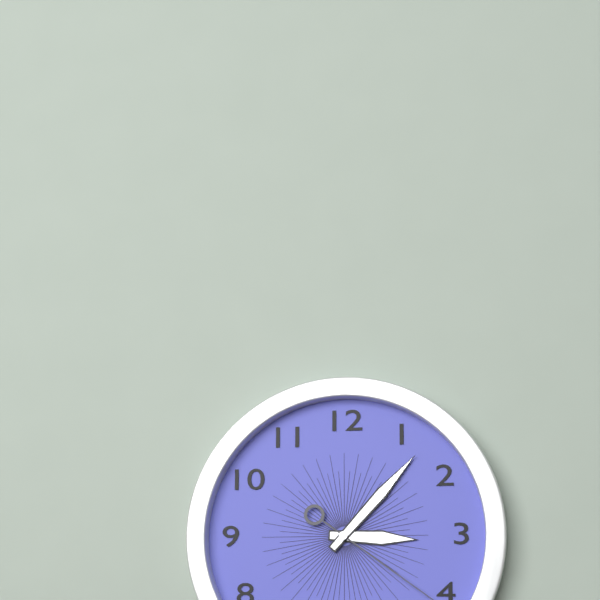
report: 3h07
